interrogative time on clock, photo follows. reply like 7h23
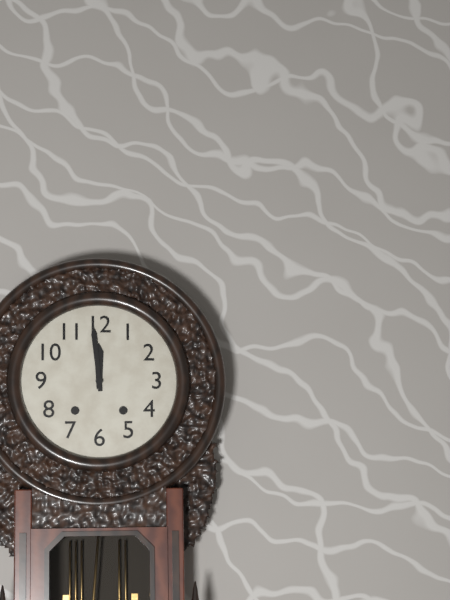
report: 11h59
